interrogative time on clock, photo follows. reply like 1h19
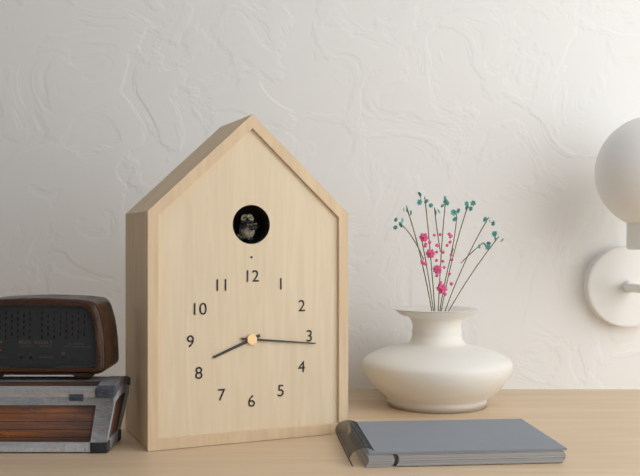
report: 8h16
